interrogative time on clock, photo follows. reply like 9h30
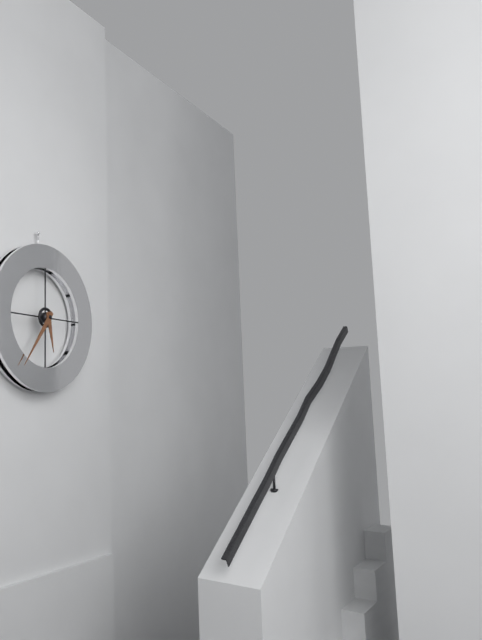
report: 5h36
